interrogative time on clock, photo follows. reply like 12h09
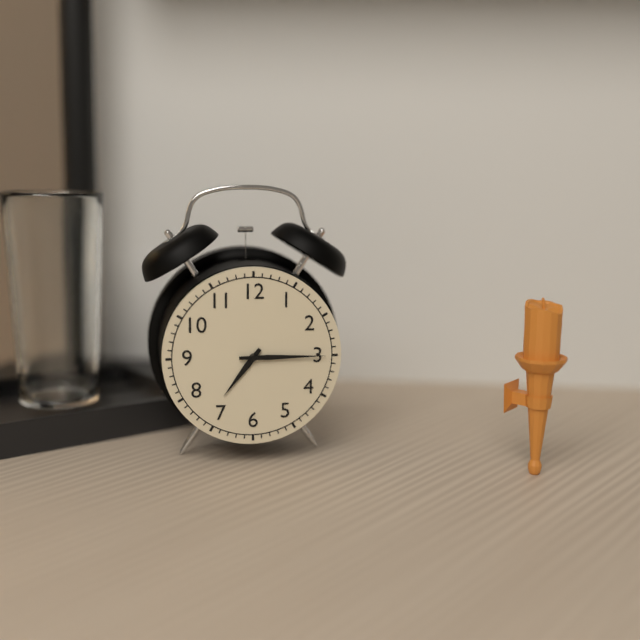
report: 7h15
